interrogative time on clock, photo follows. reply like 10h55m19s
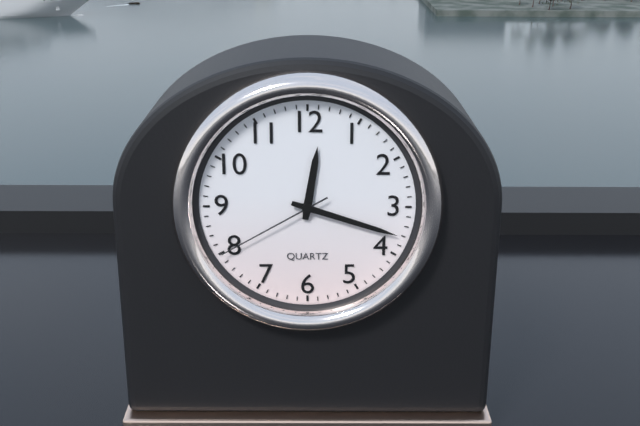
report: 12h18m40s
